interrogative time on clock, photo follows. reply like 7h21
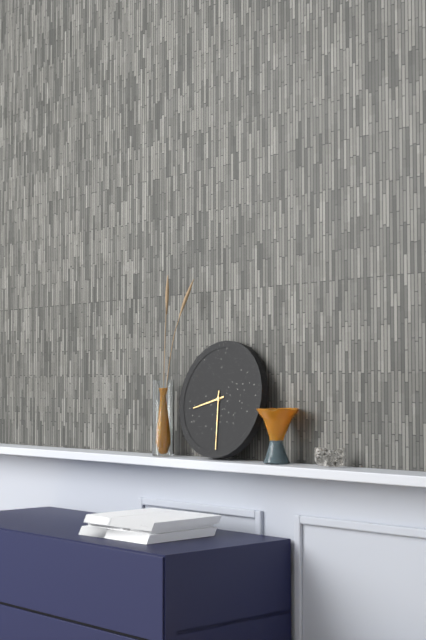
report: 8h29
